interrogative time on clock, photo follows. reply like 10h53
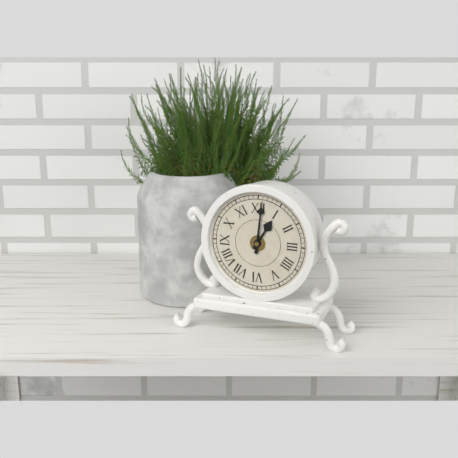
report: 1h01
